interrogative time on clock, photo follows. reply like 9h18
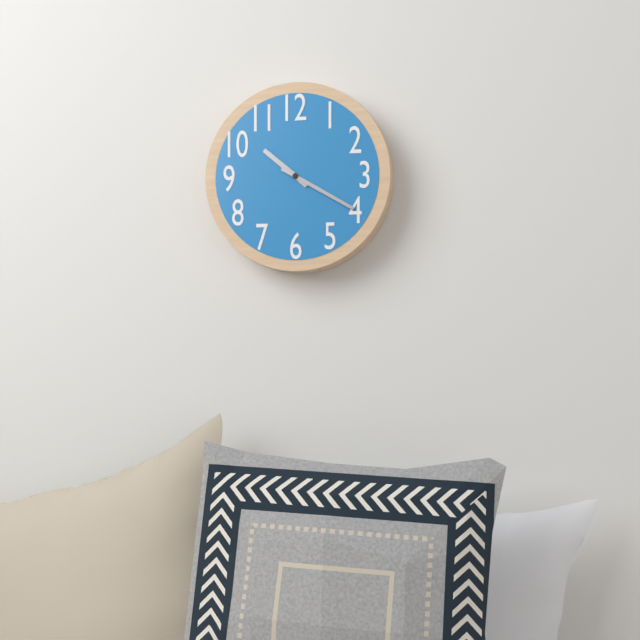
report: 10h20
